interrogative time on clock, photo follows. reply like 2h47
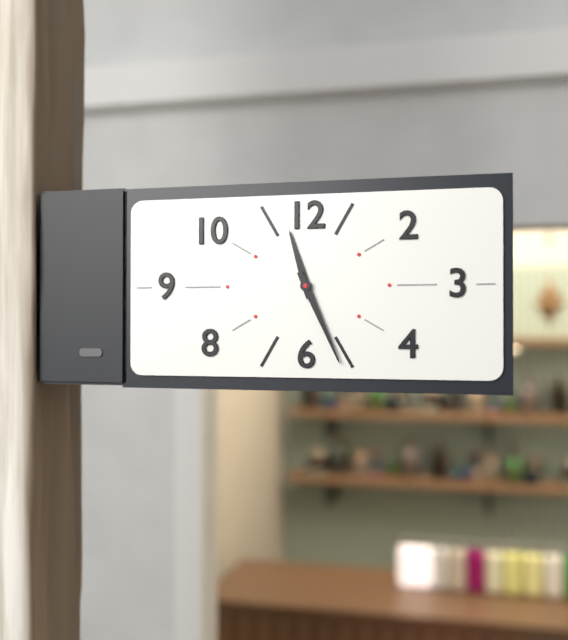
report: 11h26
